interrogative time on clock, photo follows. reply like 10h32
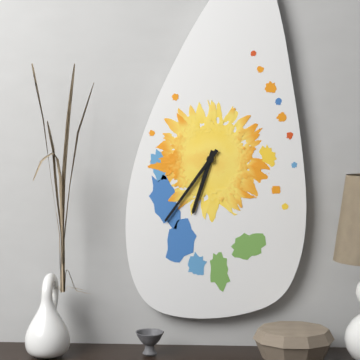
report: 6h36
